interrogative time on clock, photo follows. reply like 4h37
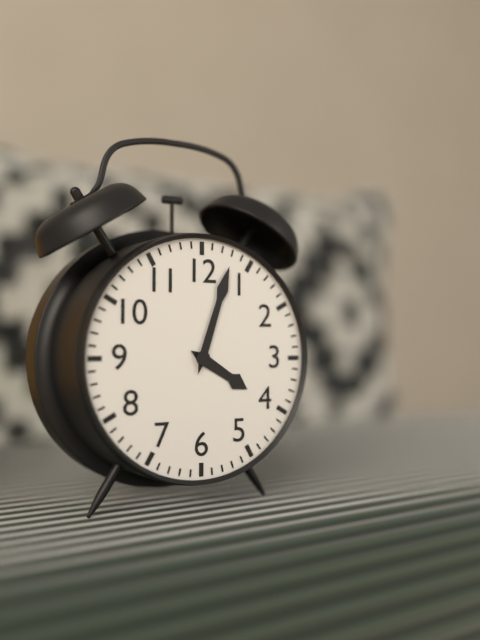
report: 4h03
